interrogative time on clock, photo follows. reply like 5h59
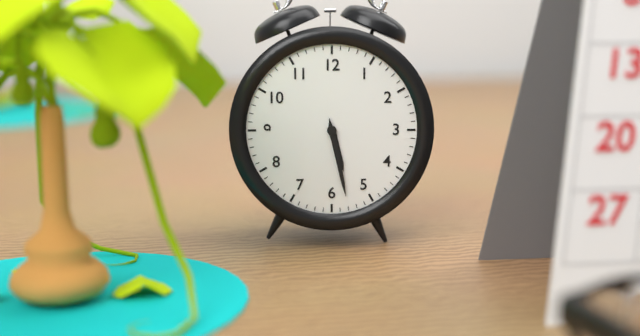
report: 5h28
